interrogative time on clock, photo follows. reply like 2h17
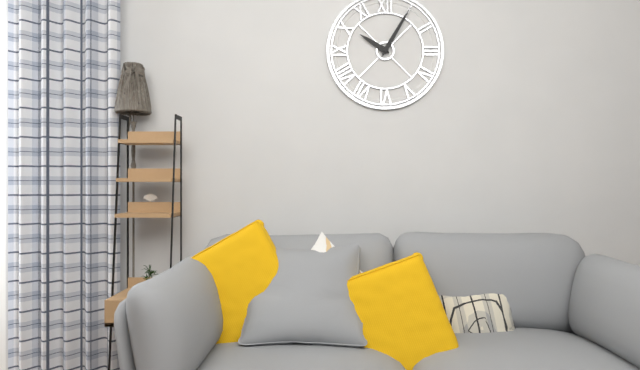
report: 10h05
